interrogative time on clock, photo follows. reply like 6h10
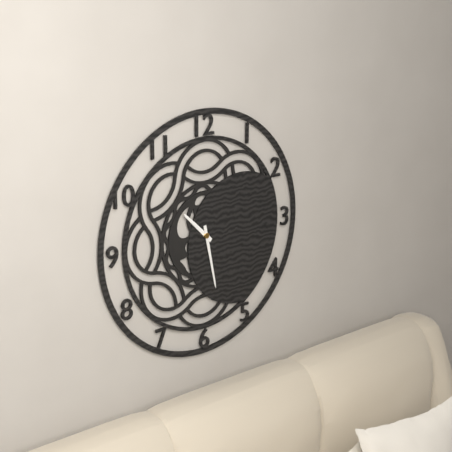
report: 10h28
